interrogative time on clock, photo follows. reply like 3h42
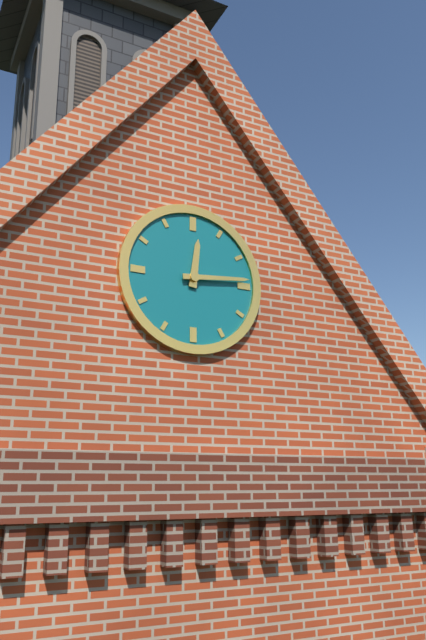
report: 12h14
